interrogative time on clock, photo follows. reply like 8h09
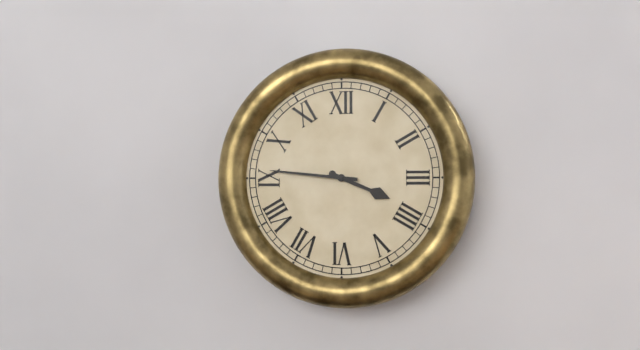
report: 3h46
